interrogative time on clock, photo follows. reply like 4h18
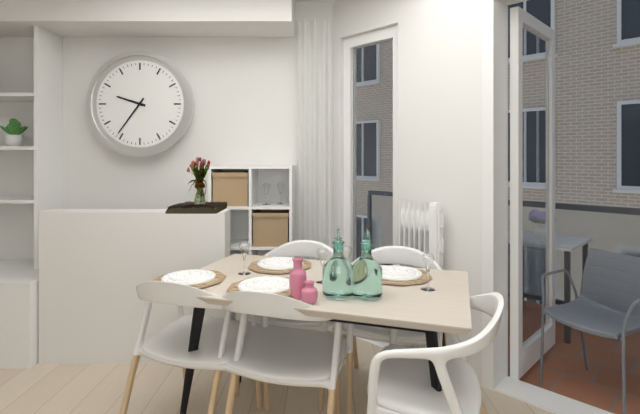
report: 9h36
